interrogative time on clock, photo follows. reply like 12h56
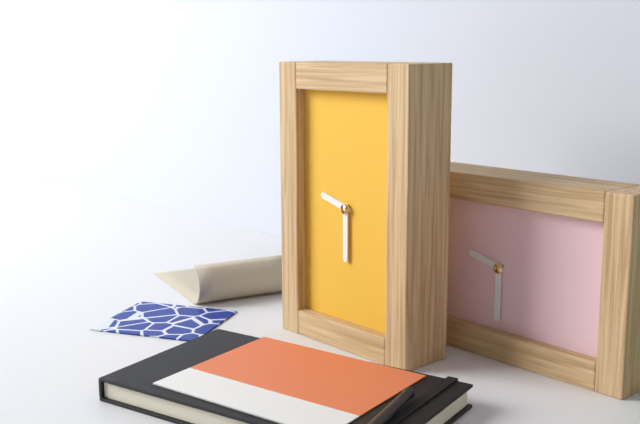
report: 9h30
